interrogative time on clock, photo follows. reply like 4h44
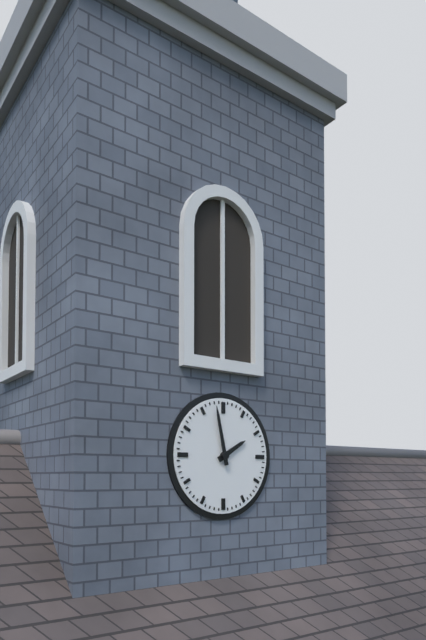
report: 1h58
